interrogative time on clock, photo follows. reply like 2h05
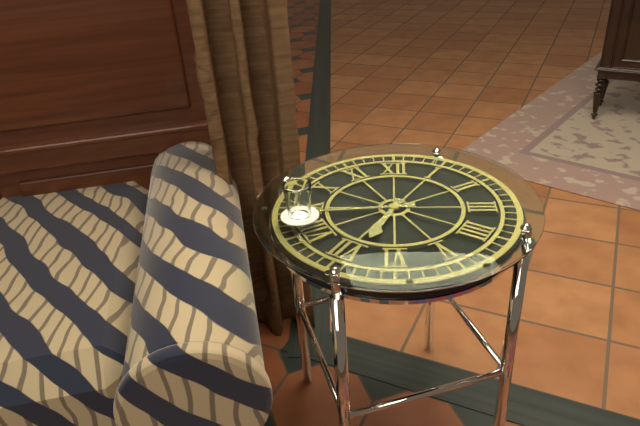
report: 6h44
